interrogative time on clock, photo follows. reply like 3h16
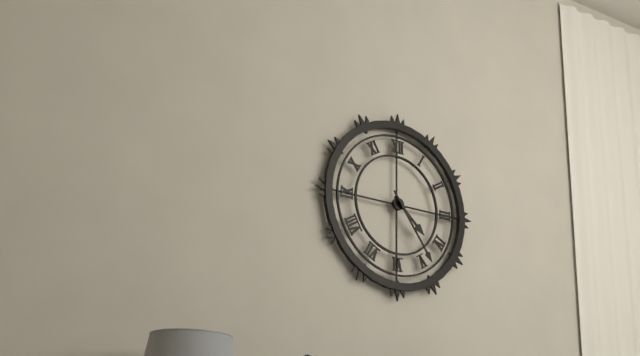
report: 4h24
